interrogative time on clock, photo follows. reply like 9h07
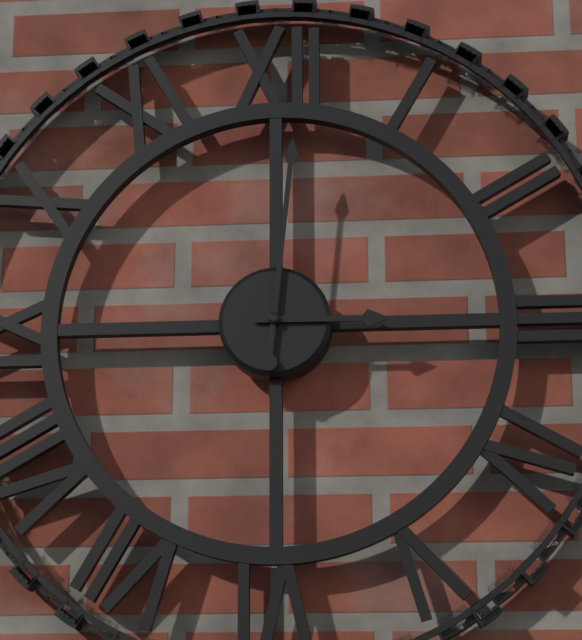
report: 3h01
